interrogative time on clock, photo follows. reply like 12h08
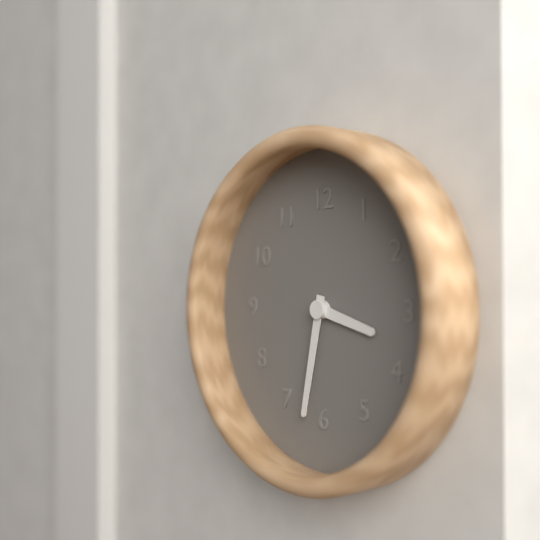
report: 3h32
